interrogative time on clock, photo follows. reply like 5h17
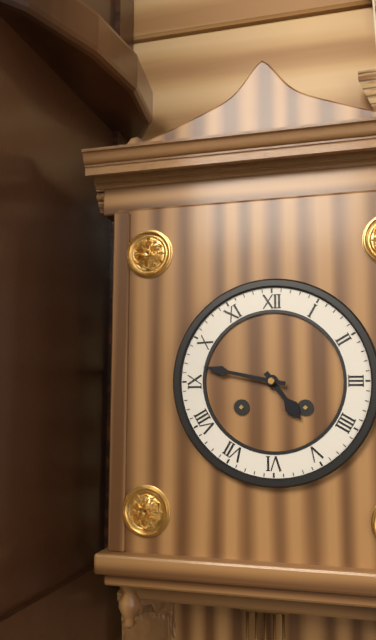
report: 4h47
